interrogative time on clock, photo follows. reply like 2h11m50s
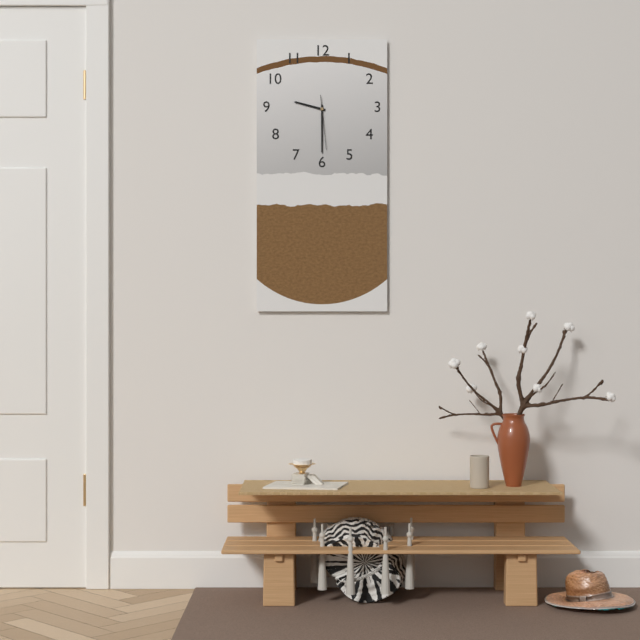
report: 9h30m29s
